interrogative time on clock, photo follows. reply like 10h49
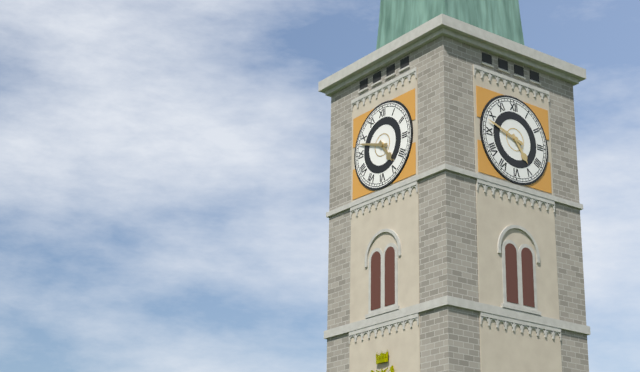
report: 4h48
